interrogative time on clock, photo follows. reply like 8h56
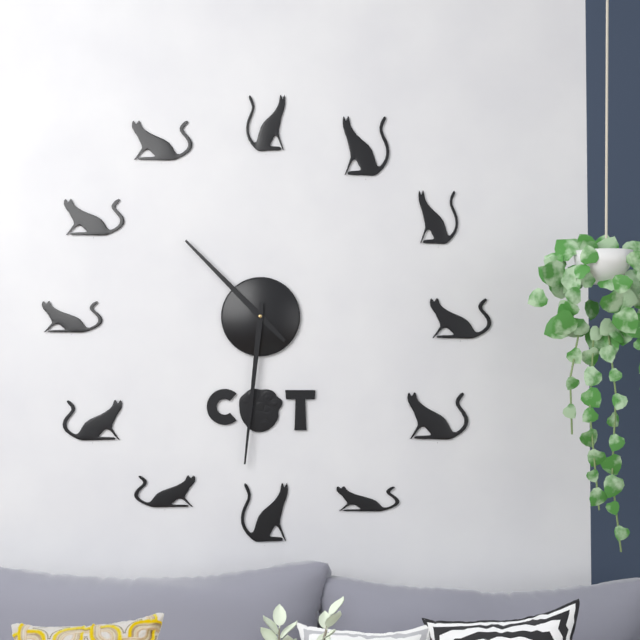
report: 10h31
